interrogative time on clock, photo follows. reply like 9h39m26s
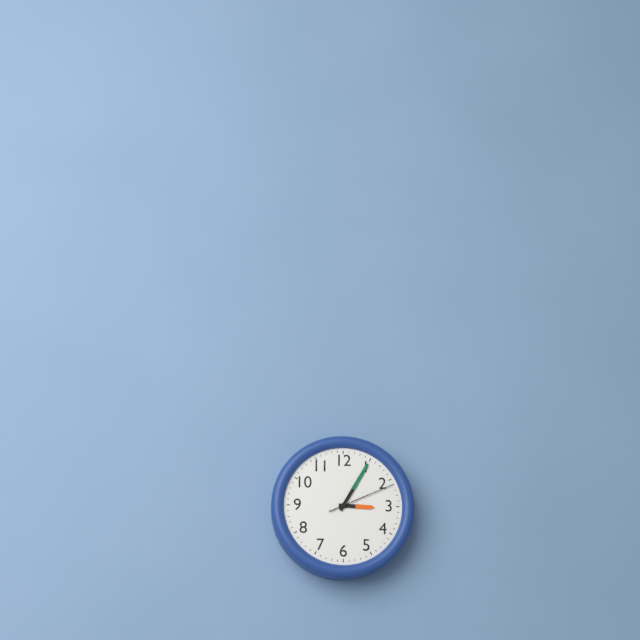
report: 3h05m11s
